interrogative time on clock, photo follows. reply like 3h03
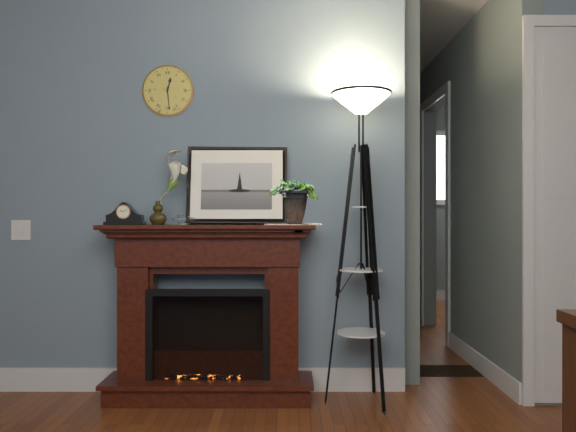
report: 12h29
